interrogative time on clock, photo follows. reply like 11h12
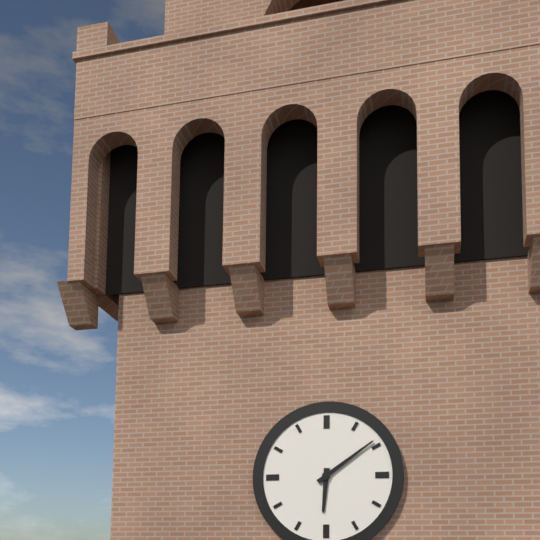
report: 6h09
